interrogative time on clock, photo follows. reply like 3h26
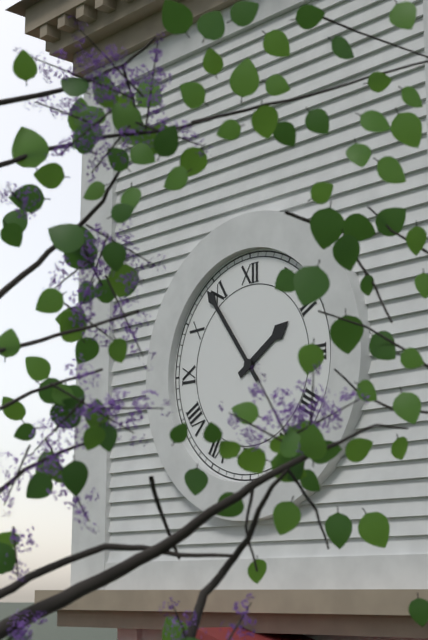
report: 1h54
